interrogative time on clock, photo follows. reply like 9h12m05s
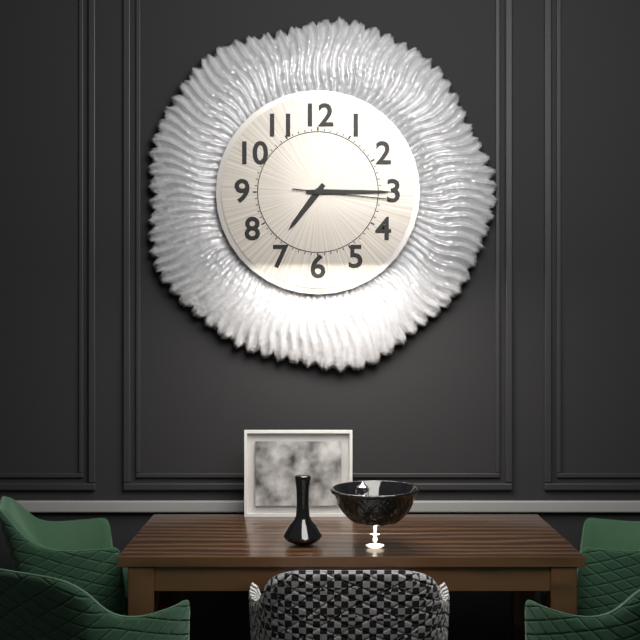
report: 7h15m16s
